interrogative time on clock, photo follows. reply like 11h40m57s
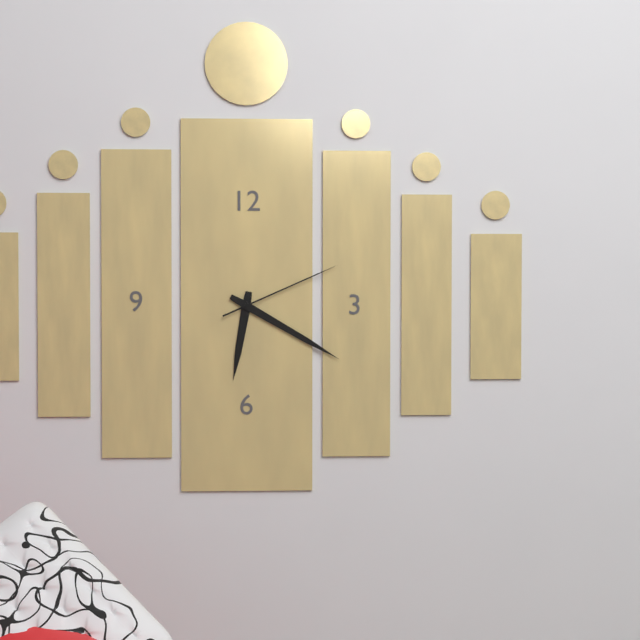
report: 6h20m11s
